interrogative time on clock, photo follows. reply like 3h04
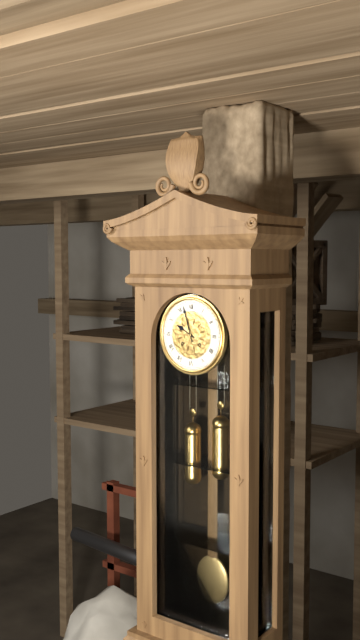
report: 9h57
